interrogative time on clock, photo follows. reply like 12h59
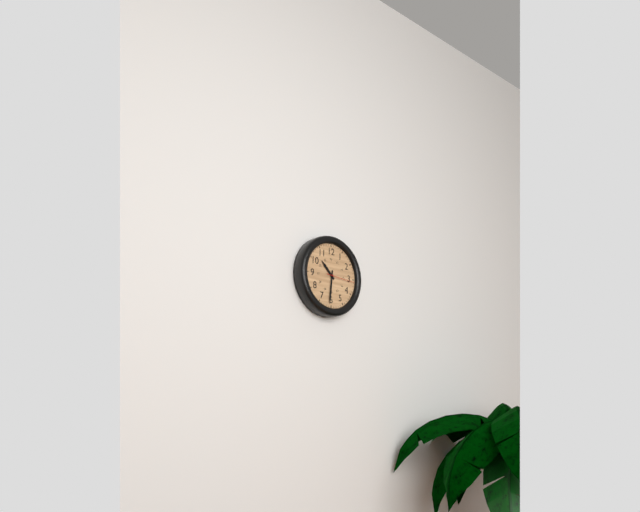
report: 10h31
